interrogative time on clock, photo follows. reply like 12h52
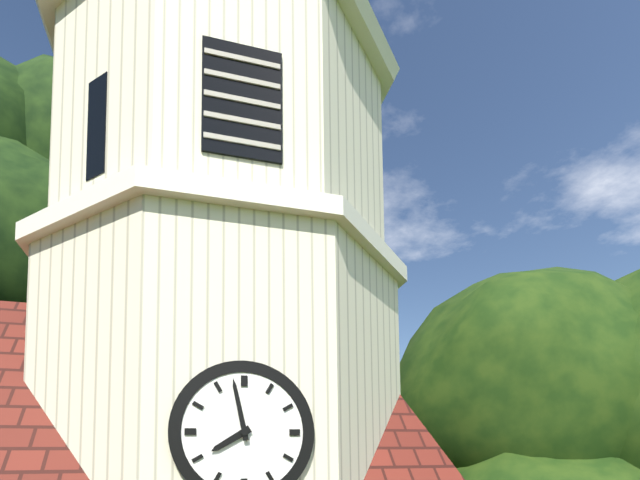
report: 7h58
